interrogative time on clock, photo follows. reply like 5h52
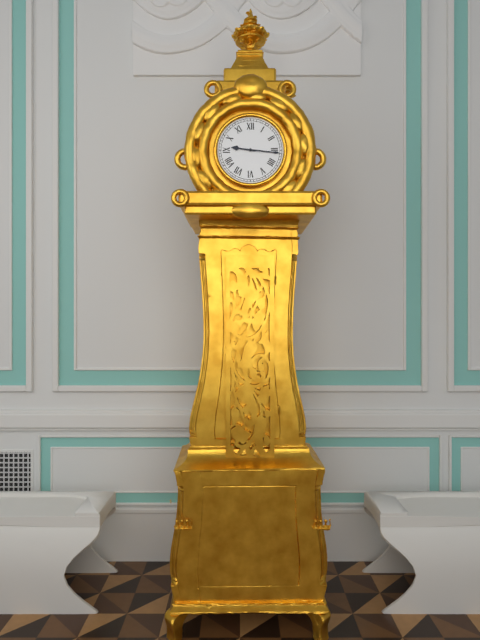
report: 9h16
